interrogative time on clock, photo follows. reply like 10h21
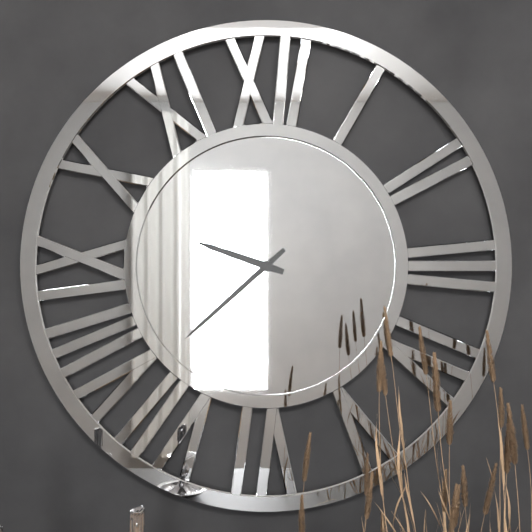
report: 9h38
